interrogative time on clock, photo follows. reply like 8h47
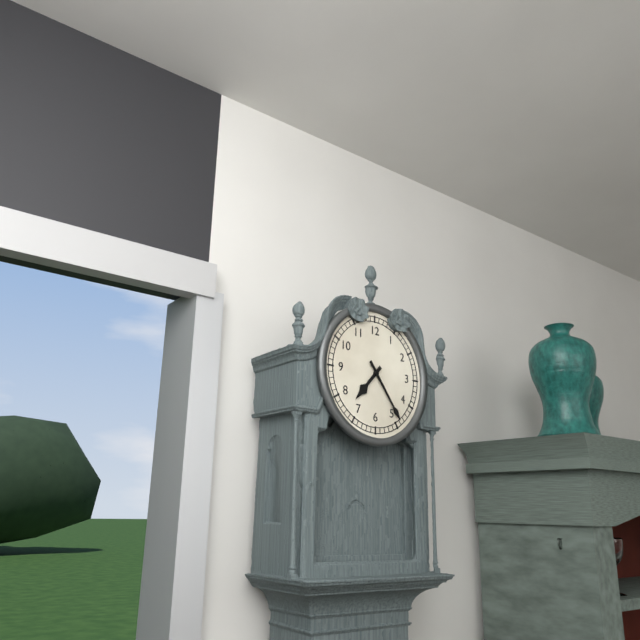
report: 7h24
